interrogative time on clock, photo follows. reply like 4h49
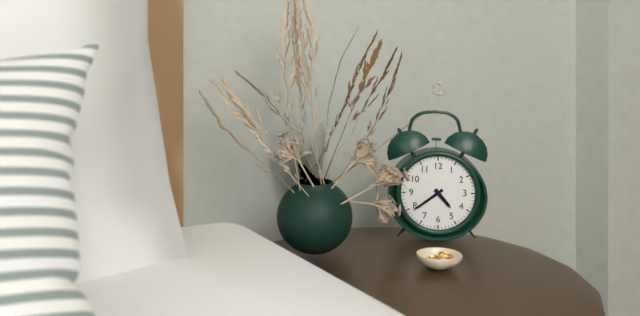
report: 4h39
